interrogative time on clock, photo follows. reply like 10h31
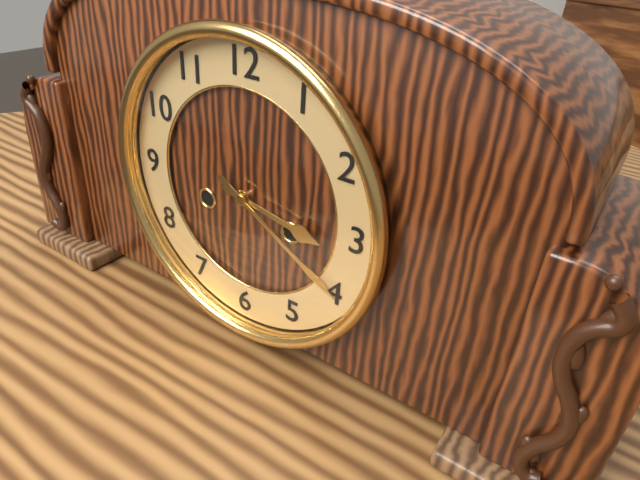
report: 3h20
